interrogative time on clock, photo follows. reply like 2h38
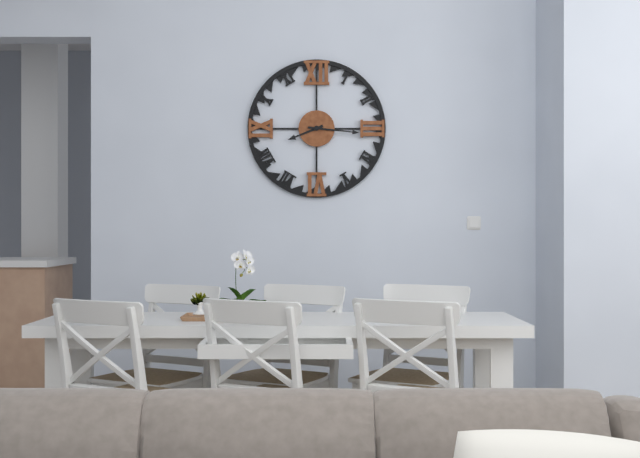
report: 8h16
